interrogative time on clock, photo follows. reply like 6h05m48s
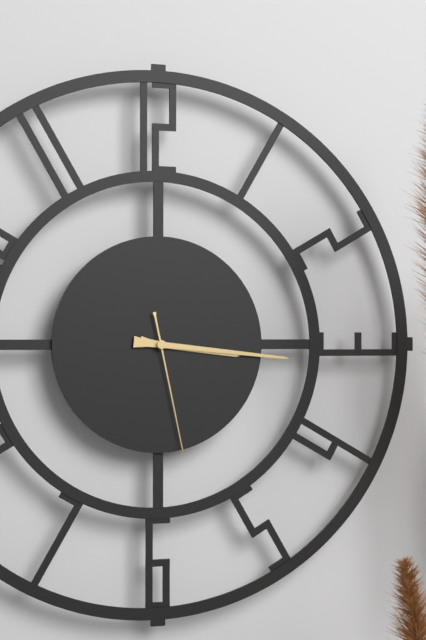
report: 3h16m28s
